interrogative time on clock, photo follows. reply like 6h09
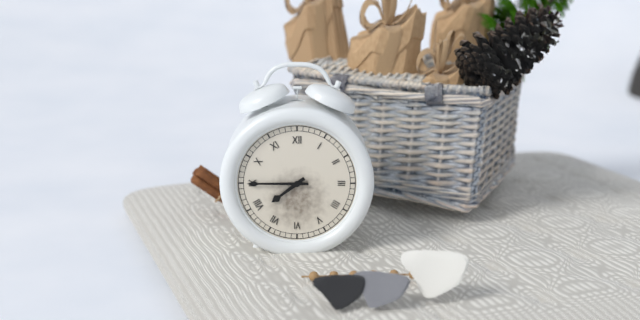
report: 7h45
